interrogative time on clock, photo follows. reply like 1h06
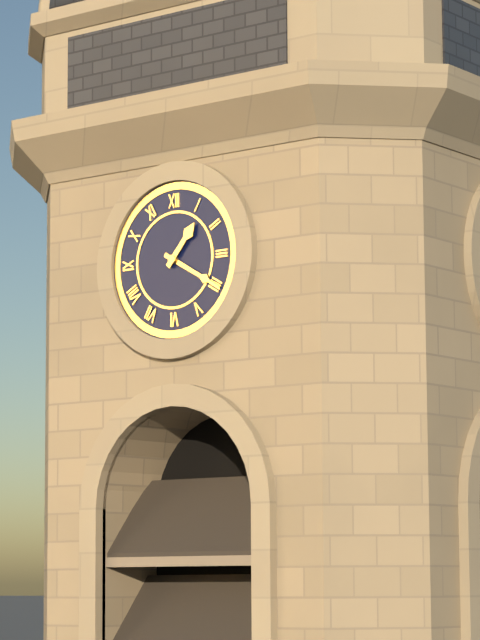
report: 1h20
